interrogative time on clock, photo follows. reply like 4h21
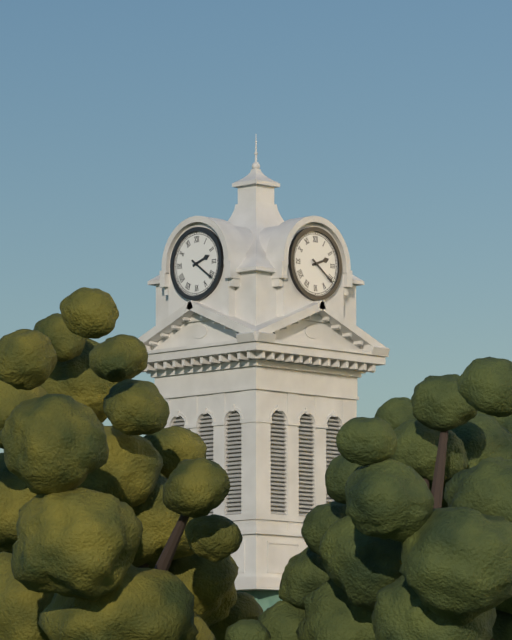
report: 2h21
